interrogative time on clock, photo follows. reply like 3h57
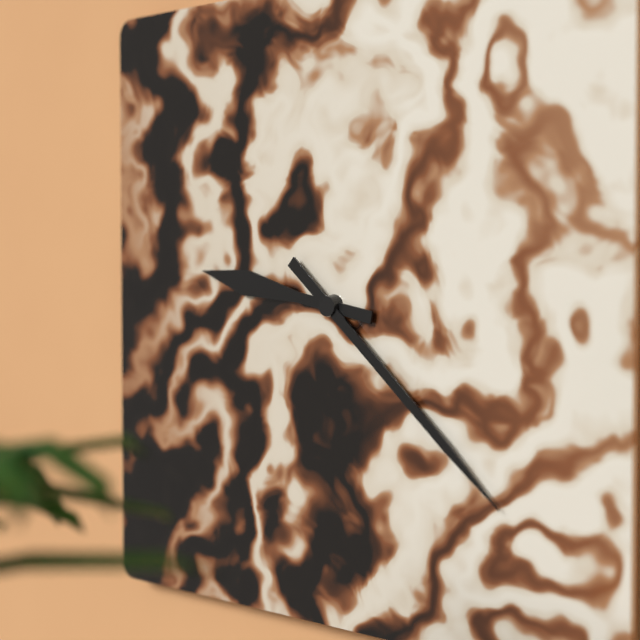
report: 9h22
